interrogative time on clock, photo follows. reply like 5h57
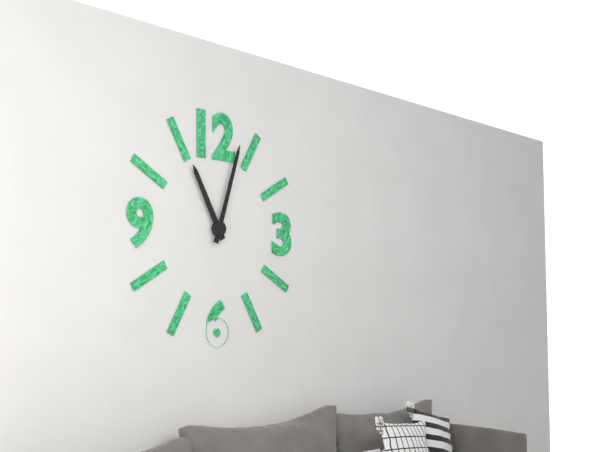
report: 11h03
